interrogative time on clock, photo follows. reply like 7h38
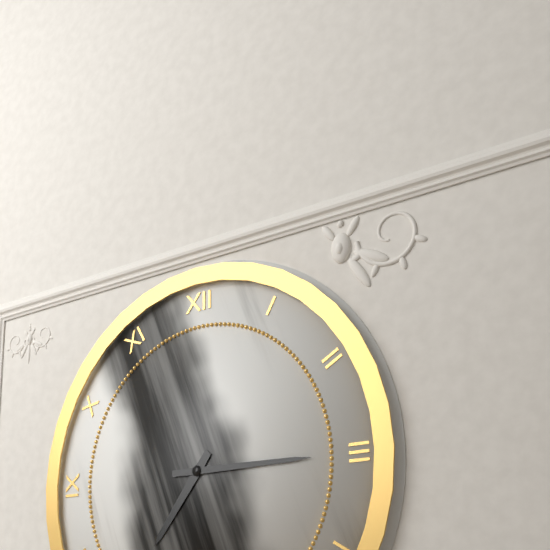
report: 7h15
